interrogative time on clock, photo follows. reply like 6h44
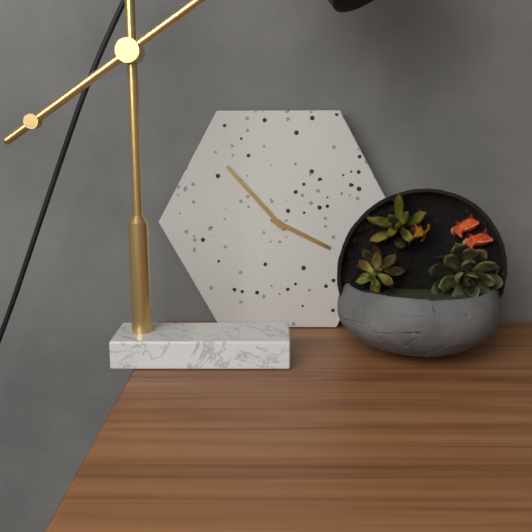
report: 3h53
